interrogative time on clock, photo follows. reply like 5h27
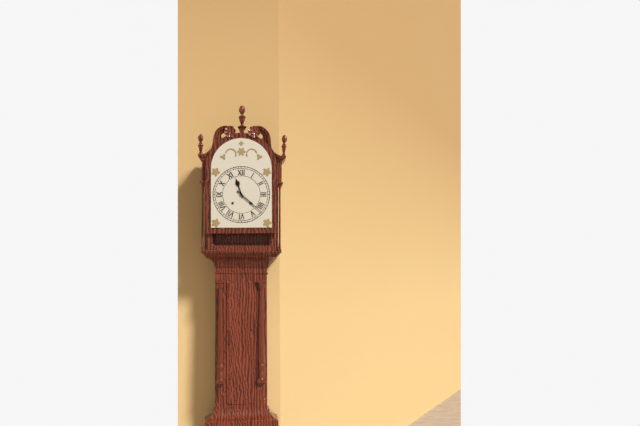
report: 11h22
